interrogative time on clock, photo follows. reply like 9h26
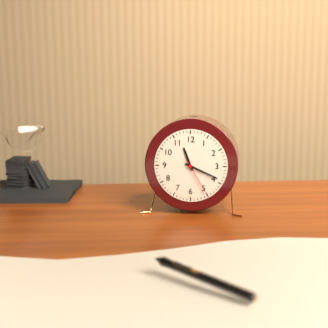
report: 11h19
